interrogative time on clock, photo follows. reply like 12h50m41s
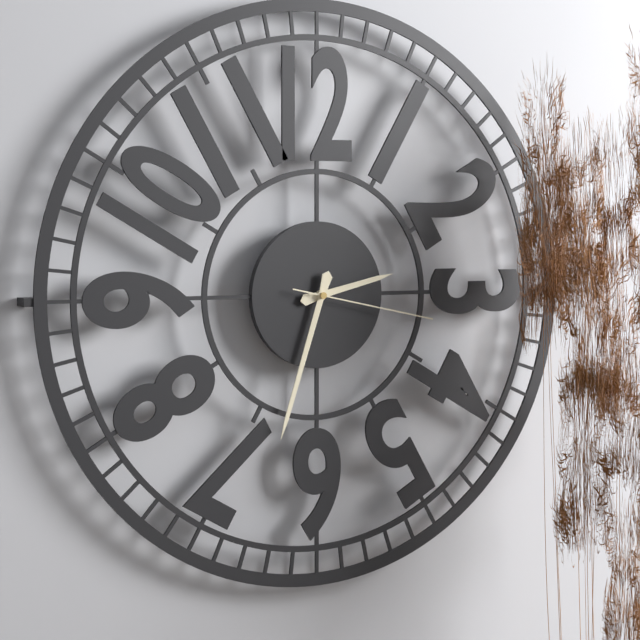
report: 2h33m17s
